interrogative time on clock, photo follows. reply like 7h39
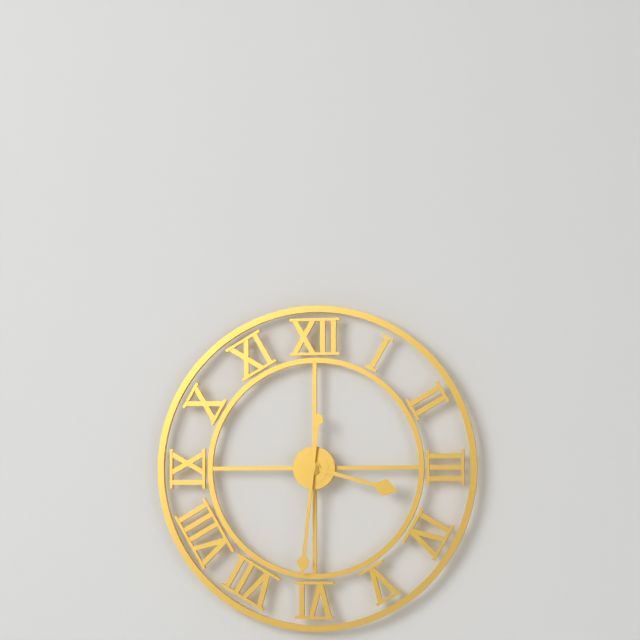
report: 3h31
